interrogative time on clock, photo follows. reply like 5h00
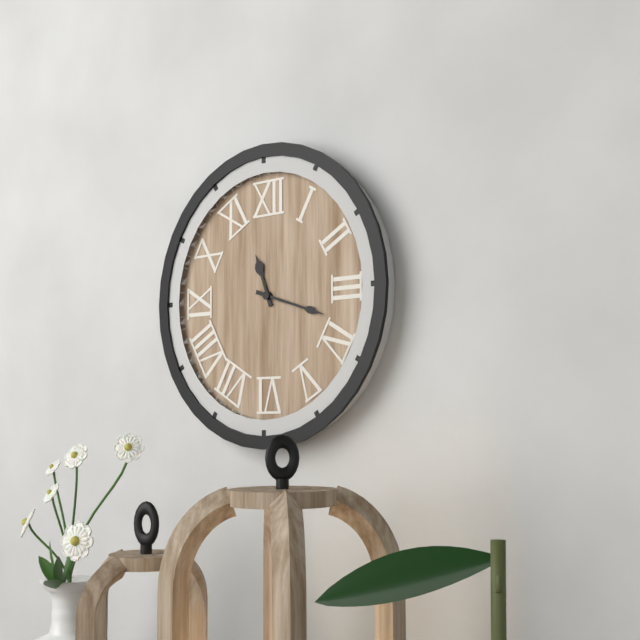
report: 11h18
